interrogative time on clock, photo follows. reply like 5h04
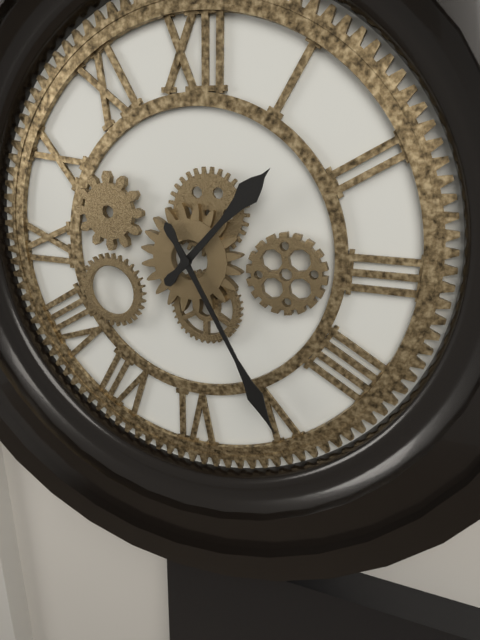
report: 1h25
